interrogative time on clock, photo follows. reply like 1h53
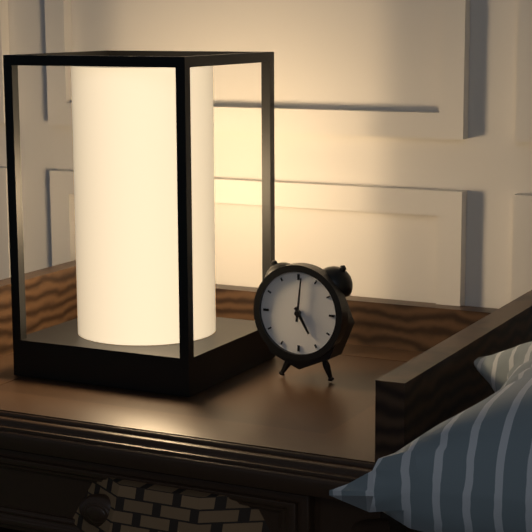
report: 5h01
